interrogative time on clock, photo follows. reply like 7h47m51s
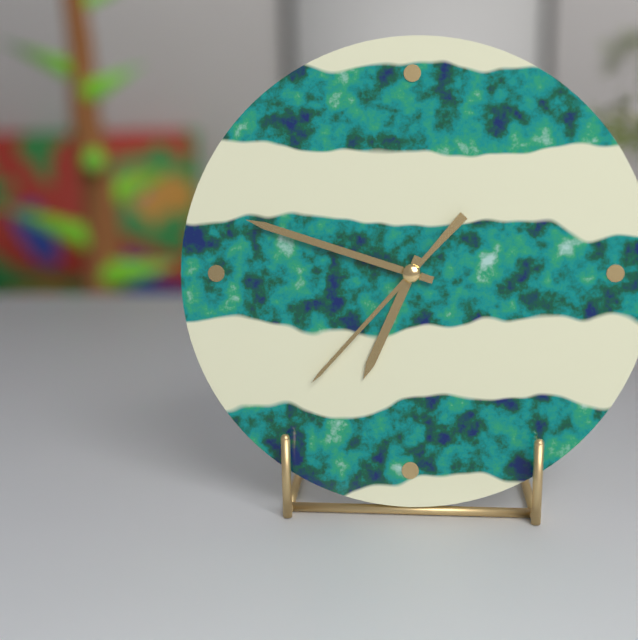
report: 6h48m37s
